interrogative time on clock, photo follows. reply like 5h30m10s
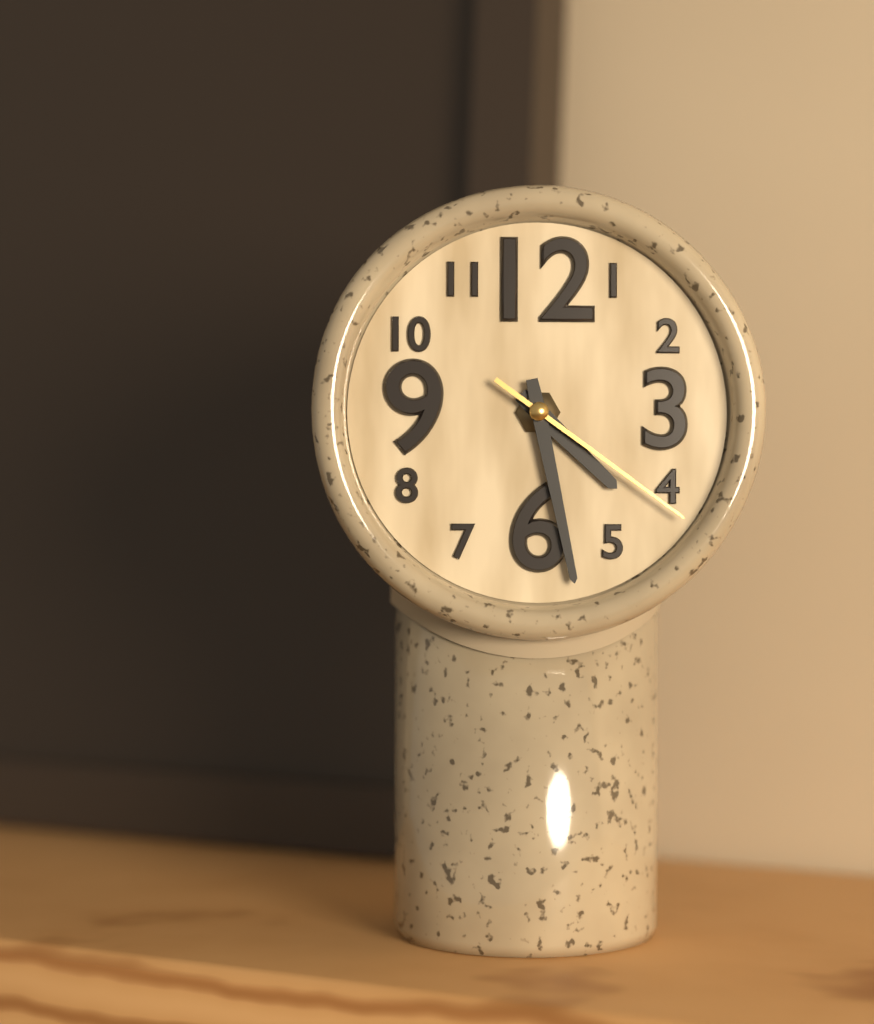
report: 4h28m21s
